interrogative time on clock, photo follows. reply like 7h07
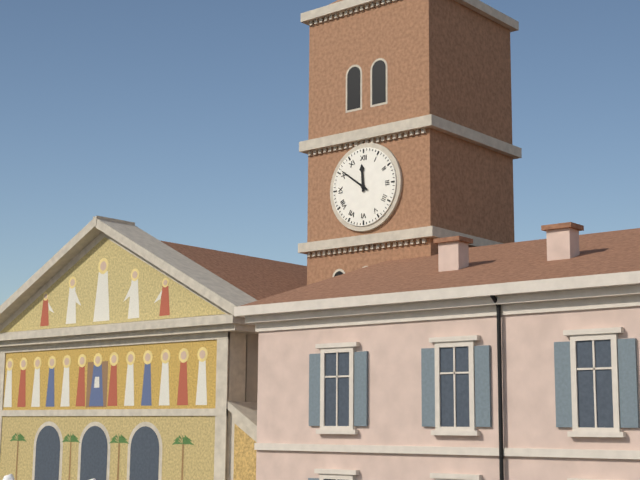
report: 11h51
